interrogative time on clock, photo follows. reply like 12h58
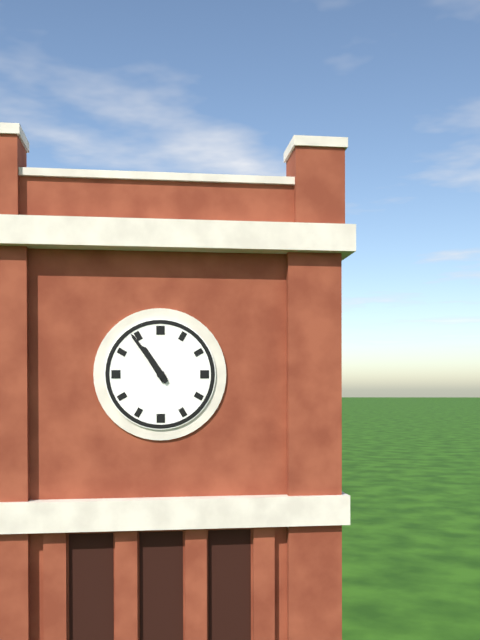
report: 10h54
